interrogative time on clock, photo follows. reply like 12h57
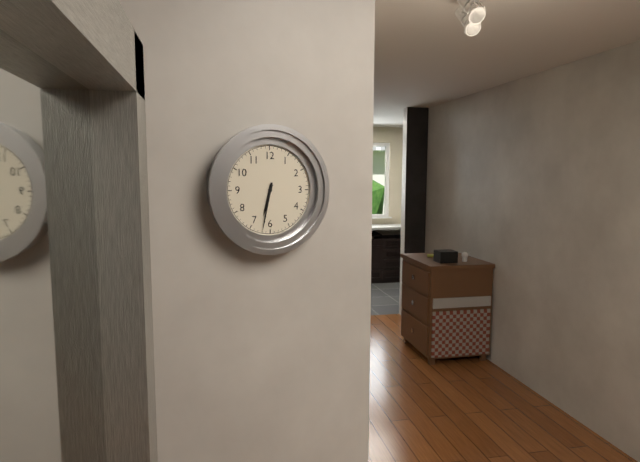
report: 6h32
